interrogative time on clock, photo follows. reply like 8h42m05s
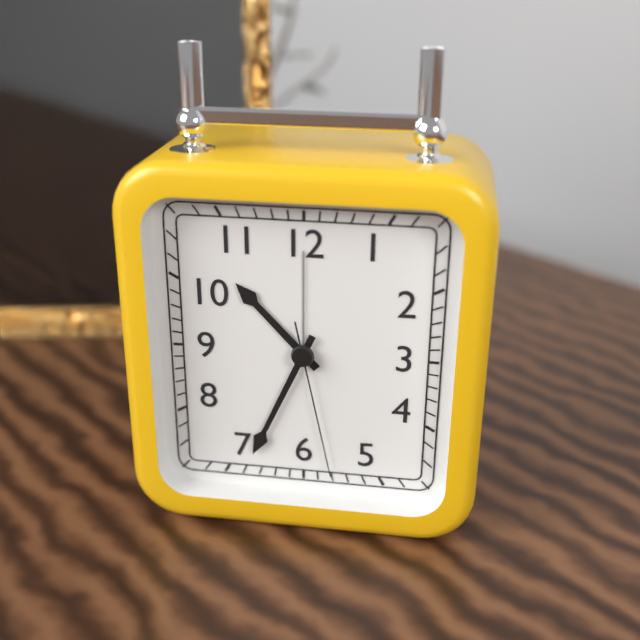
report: 10h34m28s
